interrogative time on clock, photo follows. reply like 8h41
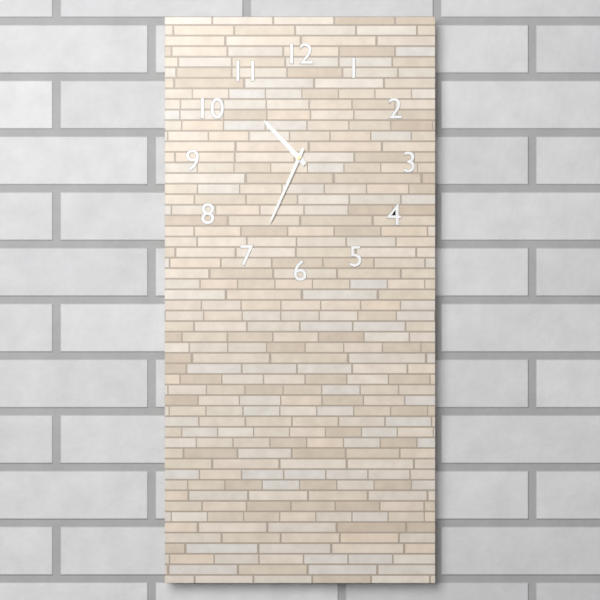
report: 10h34
